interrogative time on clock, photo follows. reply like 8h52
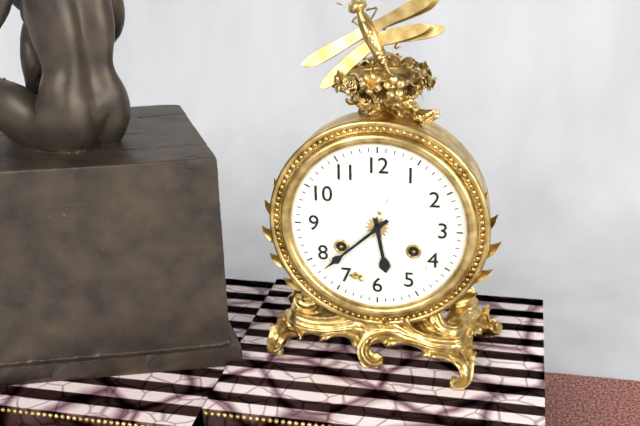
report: 5h38
